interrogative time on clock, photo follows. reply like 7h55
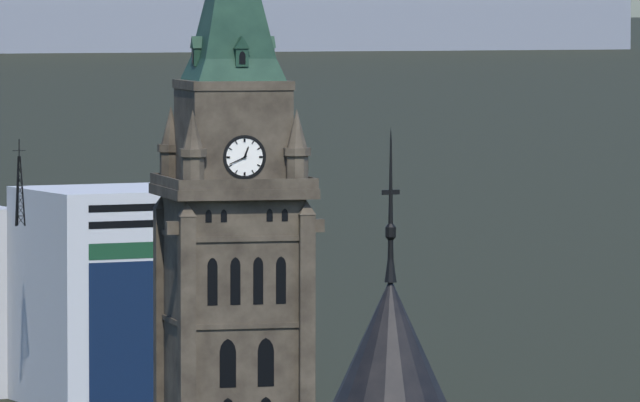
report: 12h41
